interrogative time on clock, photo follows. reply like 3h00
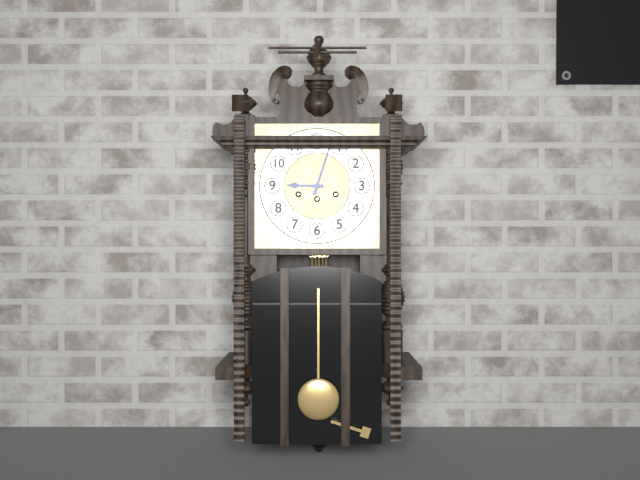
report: 9h03
